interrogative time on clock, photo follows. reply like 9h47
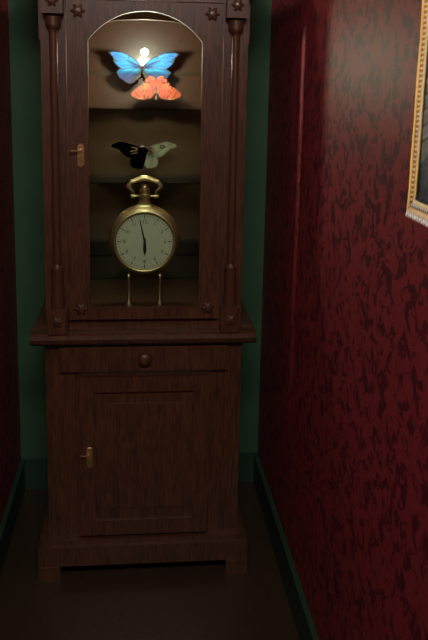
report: 5h58
